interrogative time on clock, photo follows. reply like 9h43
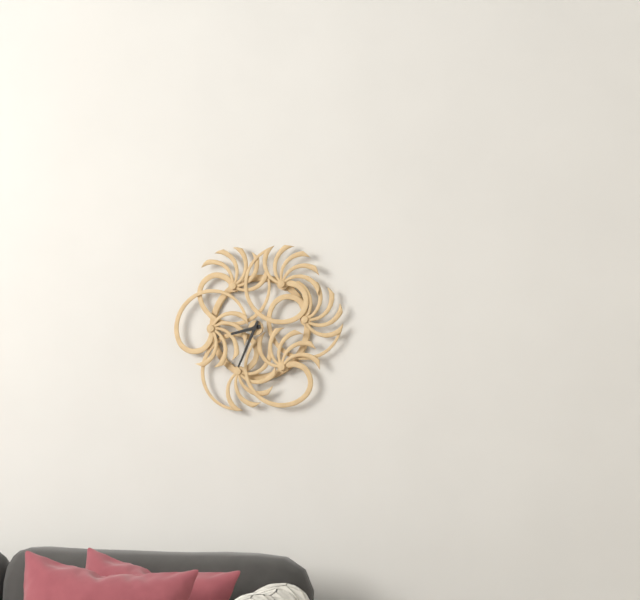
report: 8h34
